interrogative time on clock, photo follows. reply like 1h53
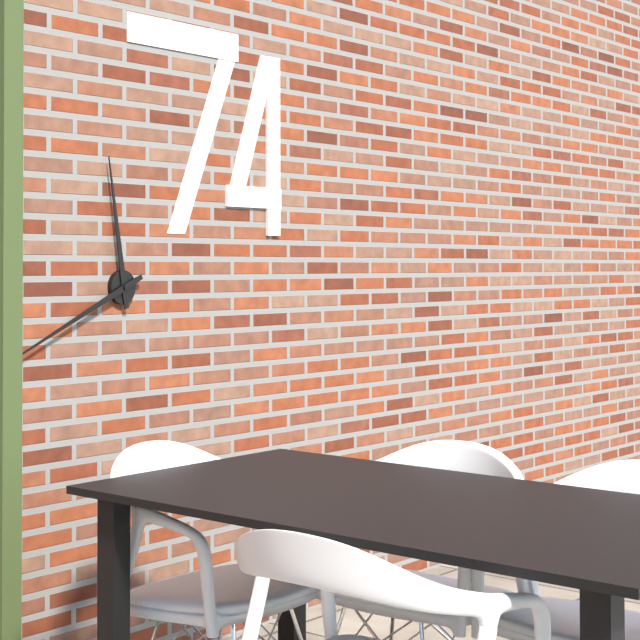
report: 11h41
